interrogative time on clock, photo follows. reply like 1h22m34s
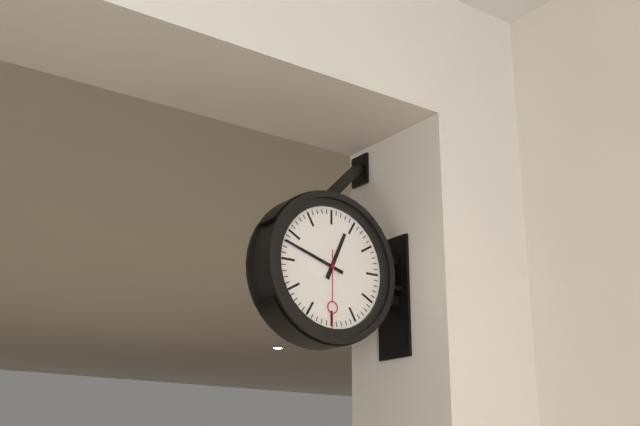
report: 12h48m30s
